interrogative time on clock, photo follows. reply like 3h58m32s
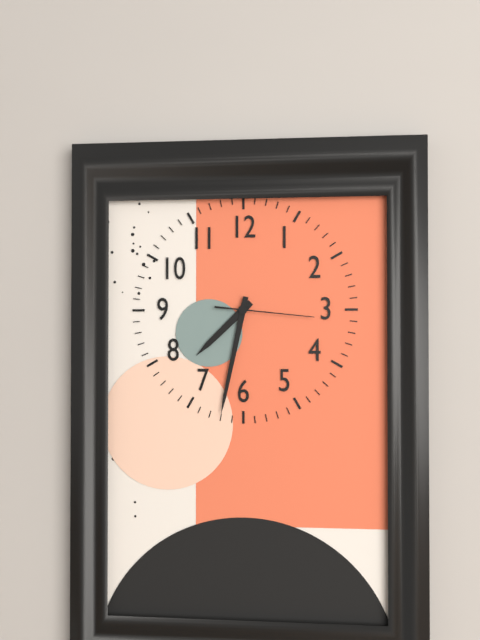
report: 7h32m16s
